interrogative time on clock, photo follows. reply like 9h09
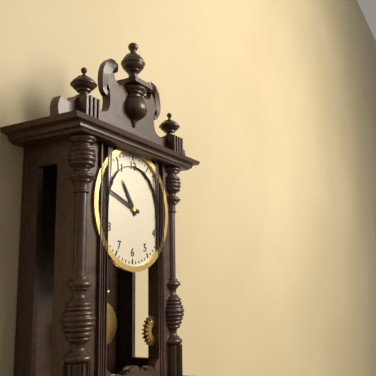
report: 10h48
